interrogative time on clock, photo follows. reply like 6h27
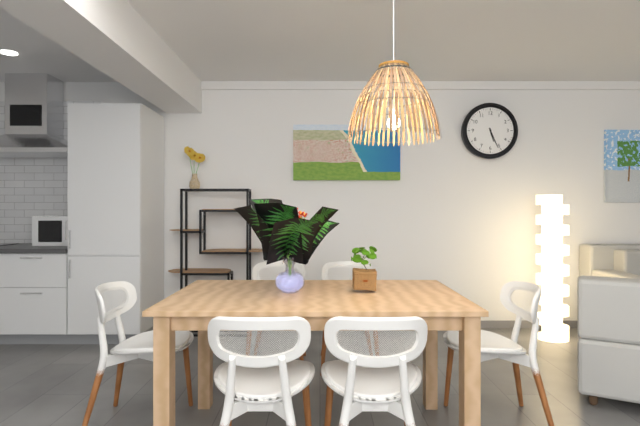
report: 5h26
